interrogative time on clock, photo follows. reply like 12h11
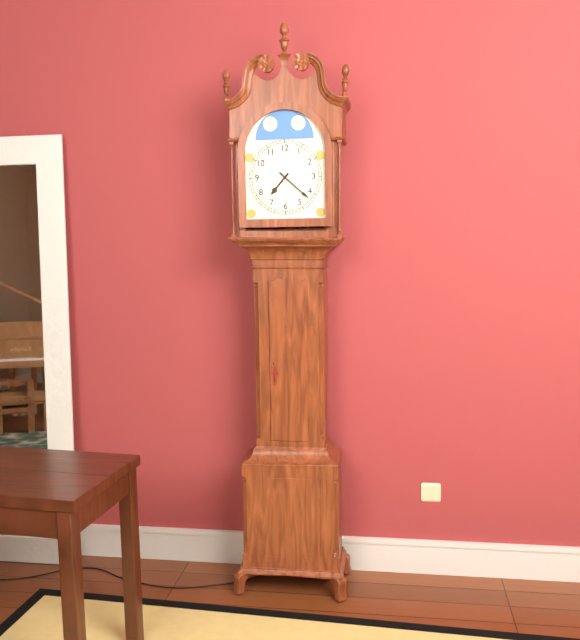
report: 7h22
